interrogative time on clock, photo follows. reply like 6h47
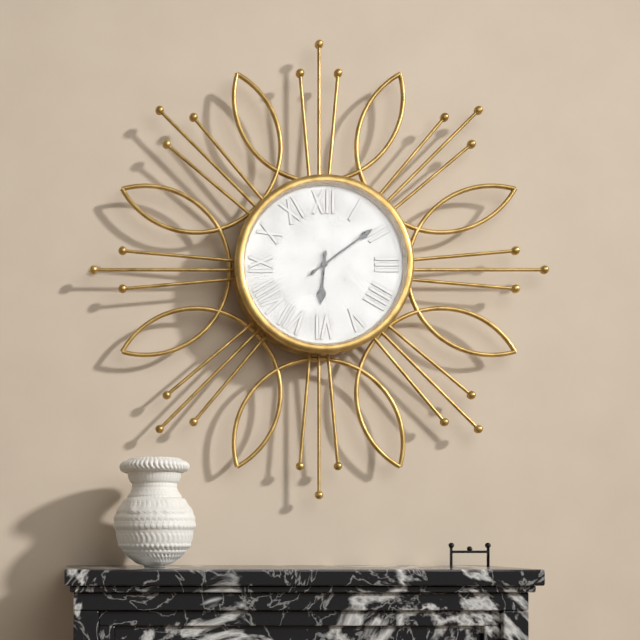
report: 6h09
